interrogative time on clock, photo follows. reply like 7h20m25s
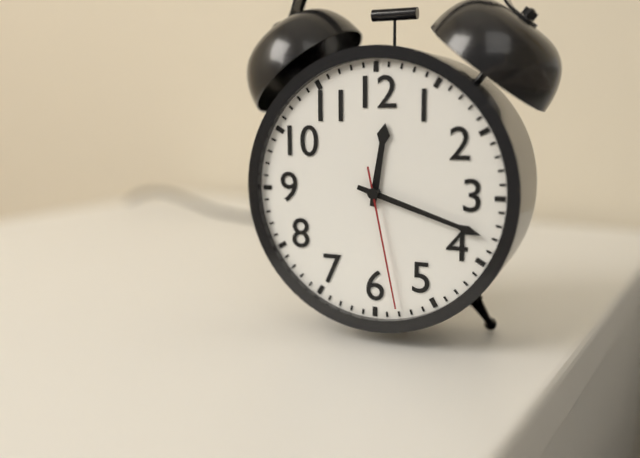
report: 12h18m28s
